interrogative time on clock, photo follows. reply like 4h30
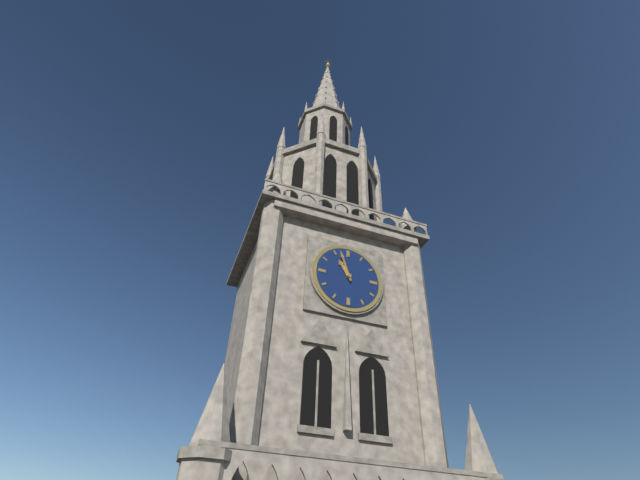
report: 10h57
